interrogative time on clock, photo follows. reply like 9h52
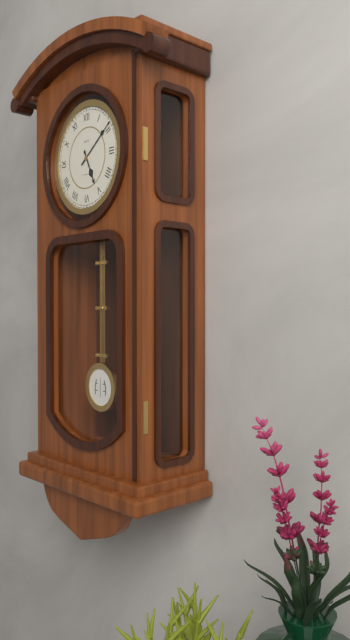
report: 5h09
